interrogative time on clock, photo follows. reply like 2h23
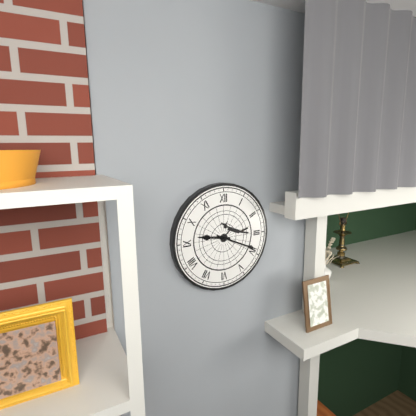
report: 9h19
